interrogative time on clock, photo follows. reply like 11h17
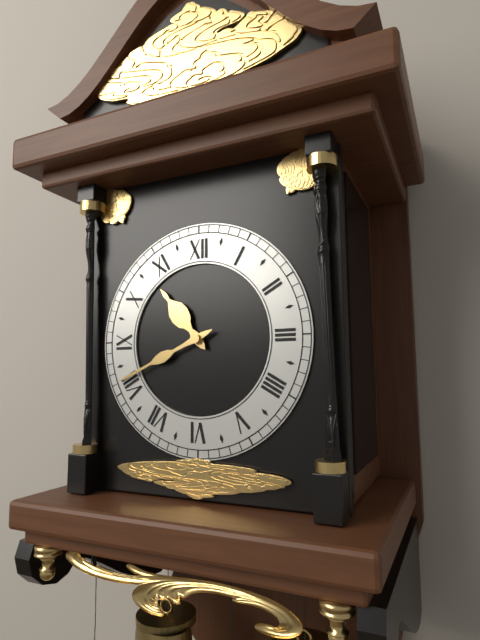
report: 10h41
